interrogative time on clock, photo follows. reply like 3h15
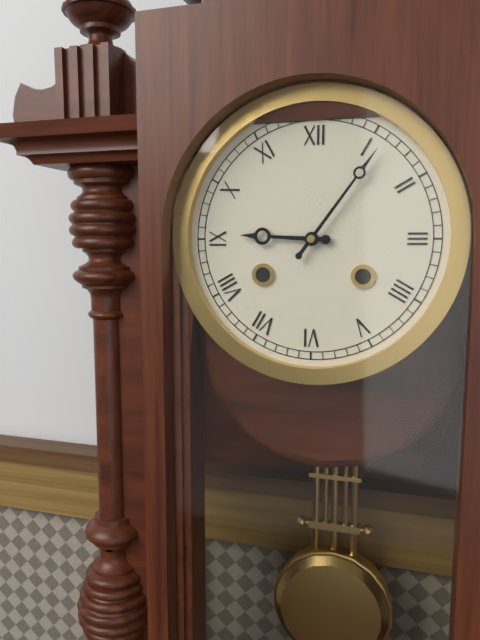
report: 9h06
